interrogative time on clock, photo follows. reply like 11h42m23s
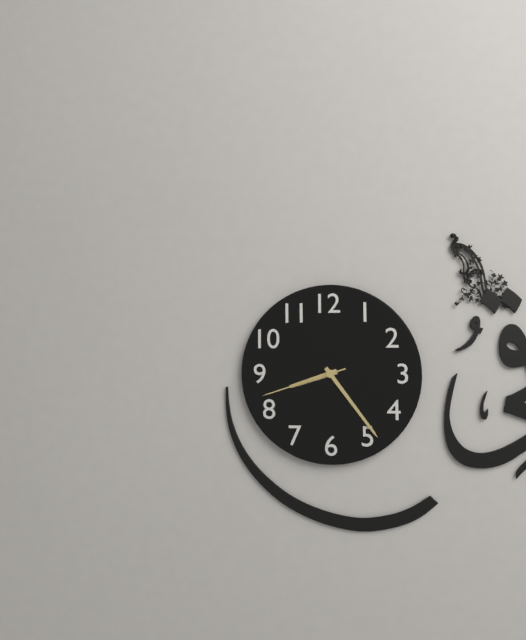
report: 8h24m42s
